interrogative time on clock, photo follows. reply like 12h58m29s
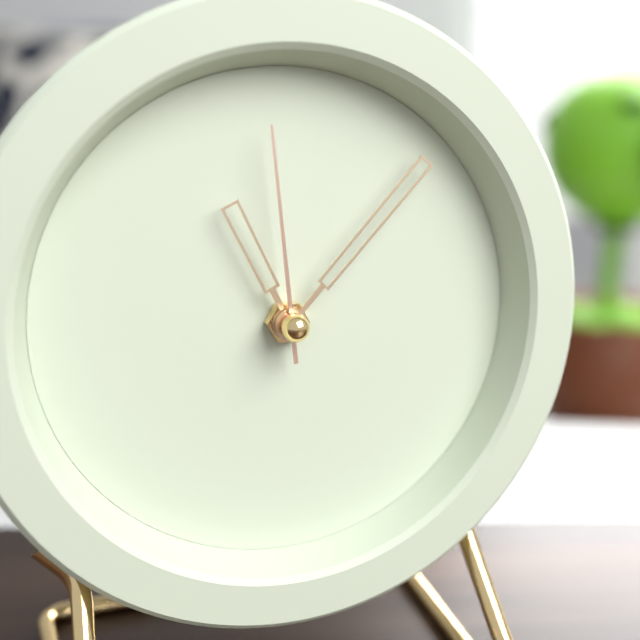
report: 11h07m59s
